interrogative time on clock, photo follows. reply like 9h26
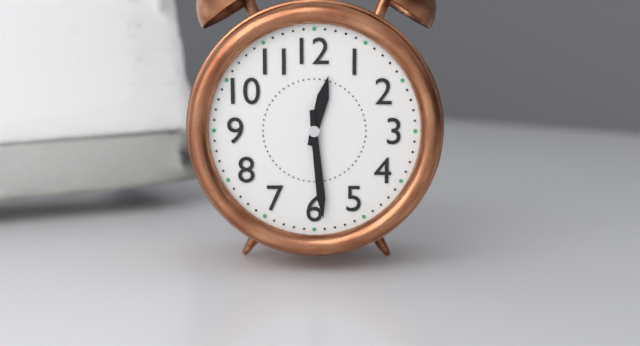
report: 12h29
